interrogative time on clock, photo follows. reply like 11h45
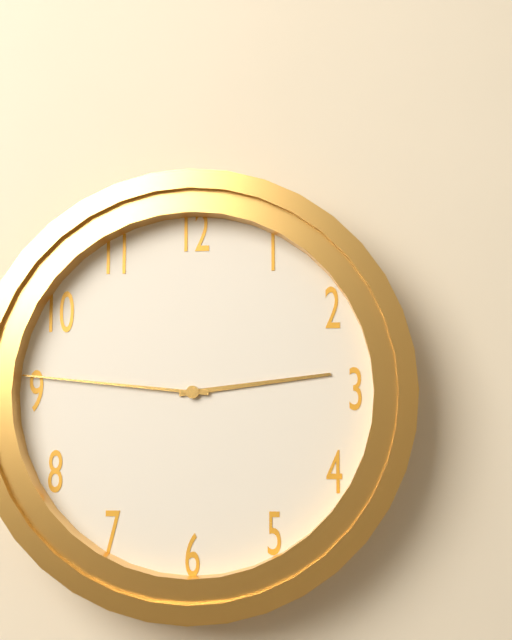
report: 2h46
